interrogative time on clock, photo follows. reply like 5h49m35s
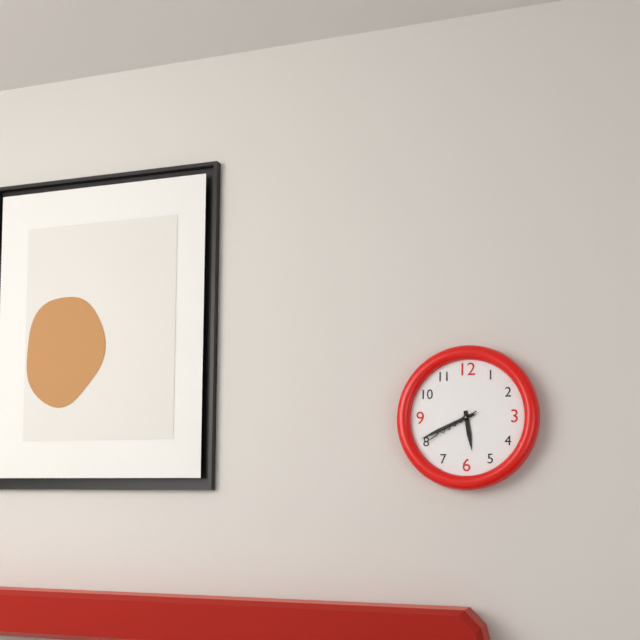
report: 5h41m40s
